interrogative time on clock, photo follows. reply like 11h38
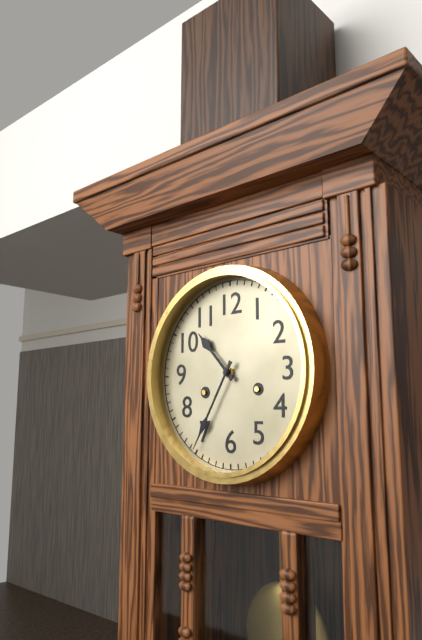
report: 10h35
